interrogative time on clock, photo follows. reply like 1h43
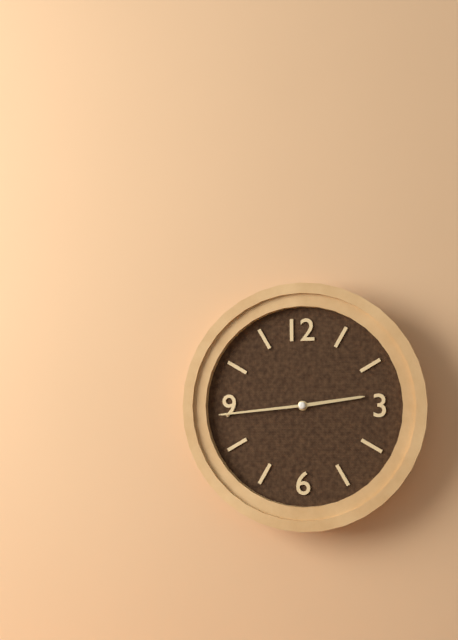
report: 2h44
